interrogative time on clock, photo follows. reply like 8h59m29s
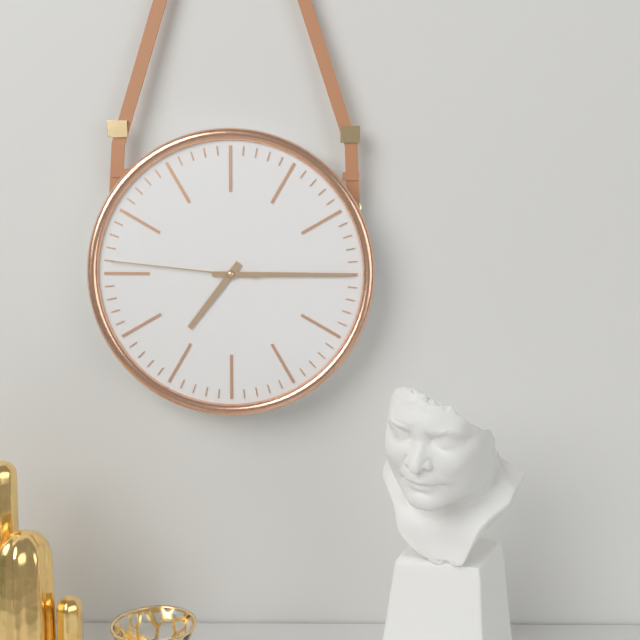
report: 7h15m46s
